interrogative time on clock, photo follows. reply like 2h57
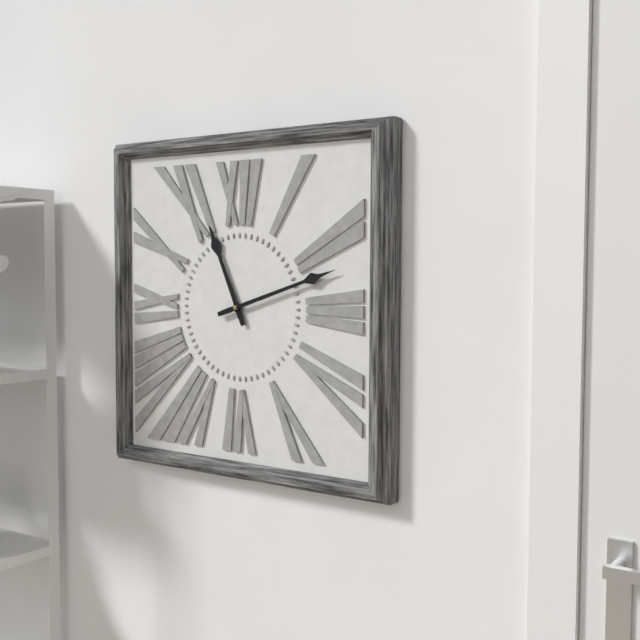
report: 11h12
